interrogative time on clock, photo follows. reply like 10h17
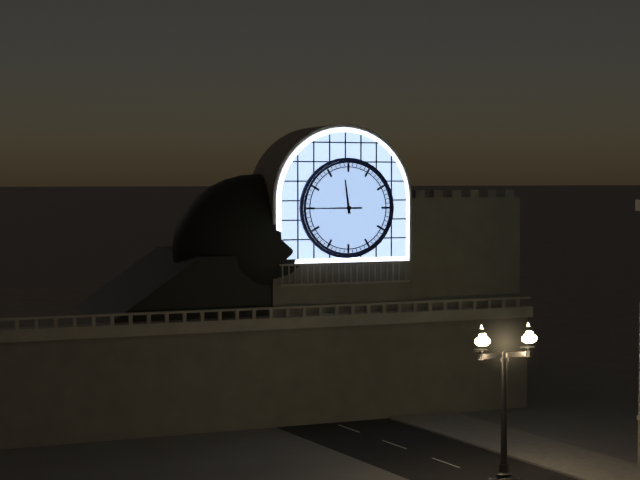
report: 11h45
